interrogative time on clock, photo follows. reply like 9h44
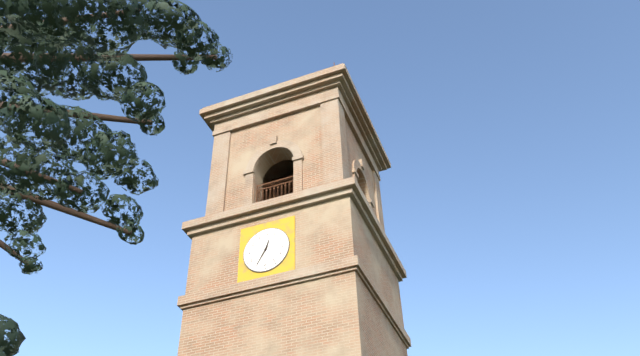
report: 12h35
